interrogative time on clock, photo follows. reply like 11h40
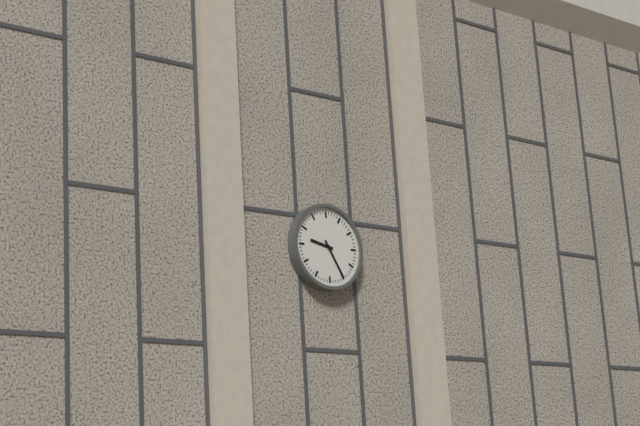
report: 9h25
